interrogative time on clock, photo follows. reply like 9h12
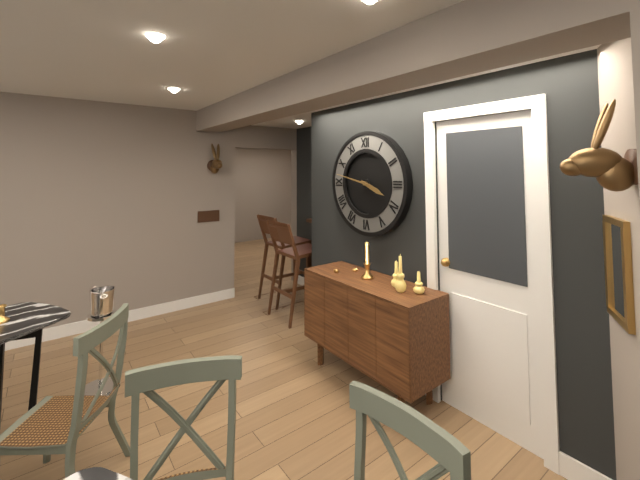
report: 3h47
